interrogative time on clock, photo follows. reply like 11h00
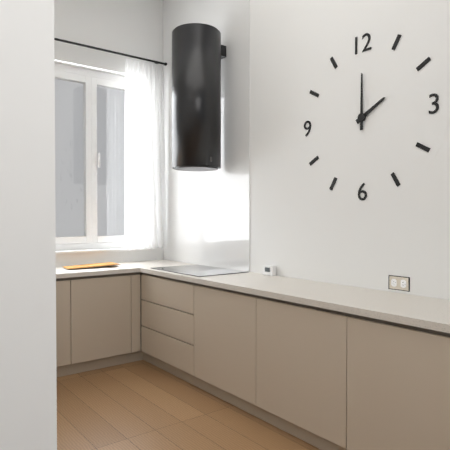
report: 2h00
